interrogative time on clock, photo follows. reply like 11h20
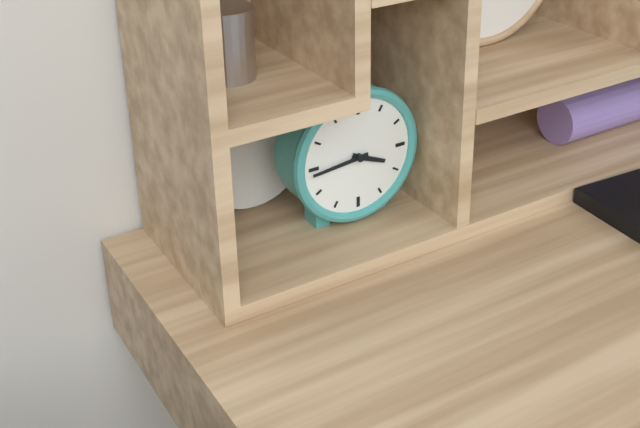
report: 3h44
